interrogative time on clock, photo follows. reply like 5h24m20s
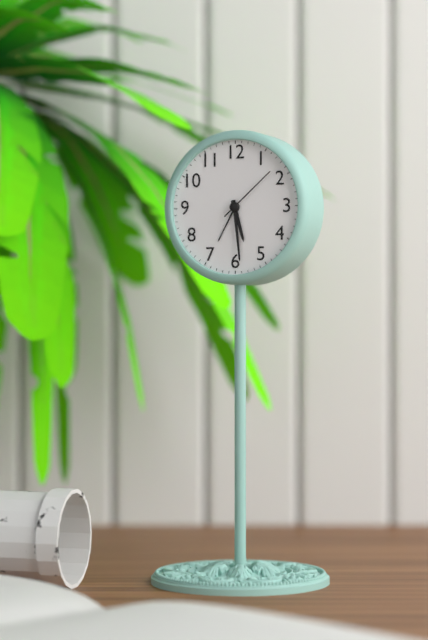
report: 5h29m08s
